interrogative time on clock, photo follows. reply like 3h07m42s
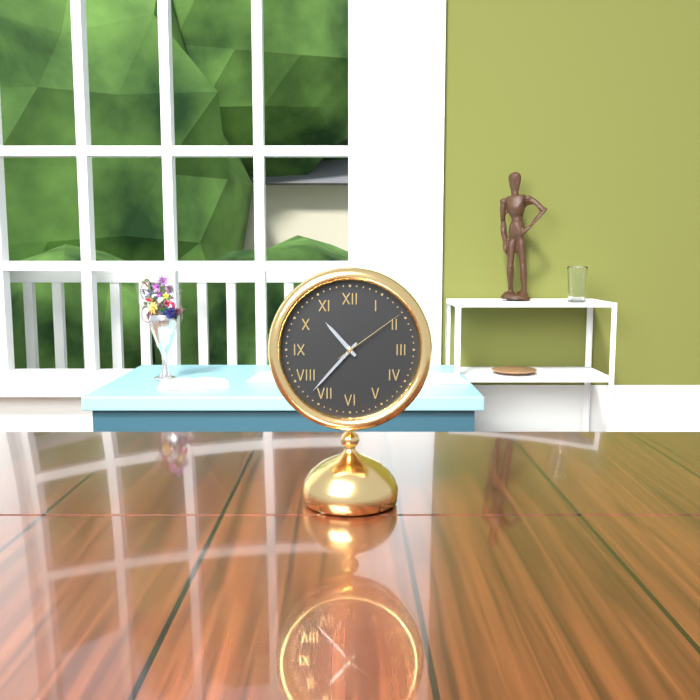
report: 10h37m09s
